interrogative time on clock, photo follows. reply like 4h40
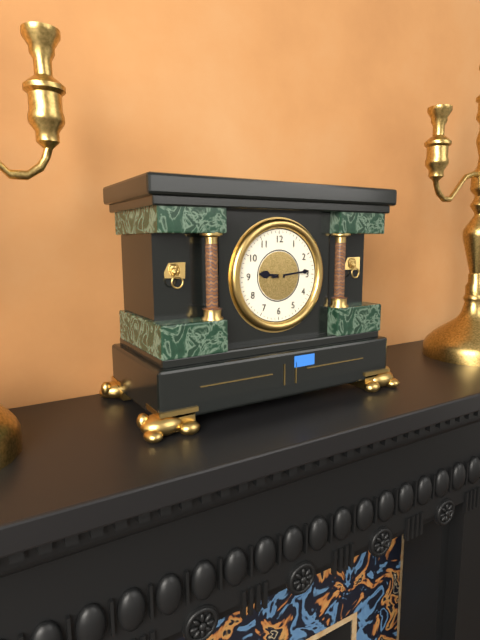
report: 9h14
